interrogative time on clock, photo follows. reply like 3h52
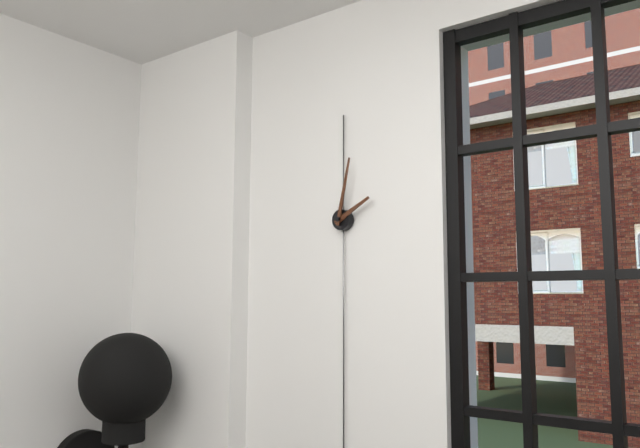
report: 2h02
